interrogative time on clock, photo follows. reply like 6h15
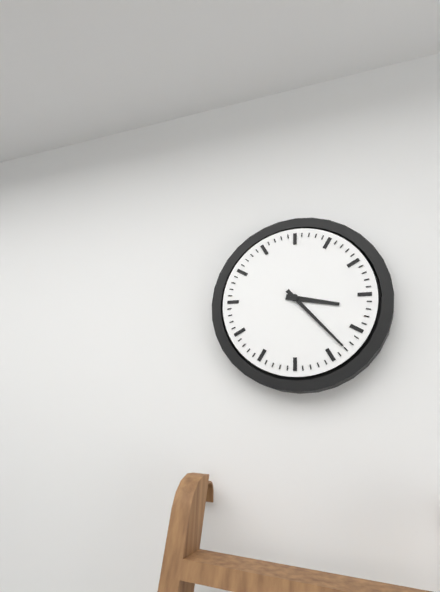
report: 3h23
